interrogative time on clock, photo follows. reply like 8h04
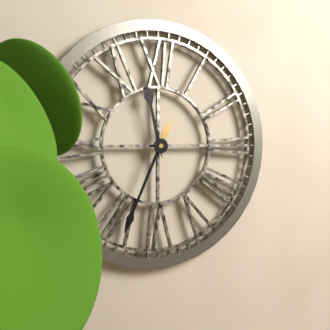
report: 11h34
